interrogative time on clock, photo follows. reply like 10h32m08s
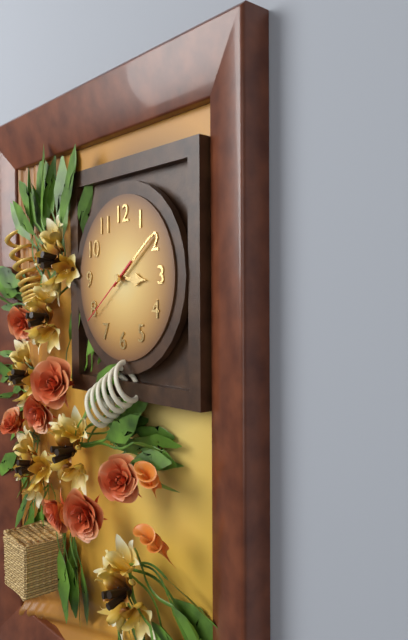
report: 3h09m39s
